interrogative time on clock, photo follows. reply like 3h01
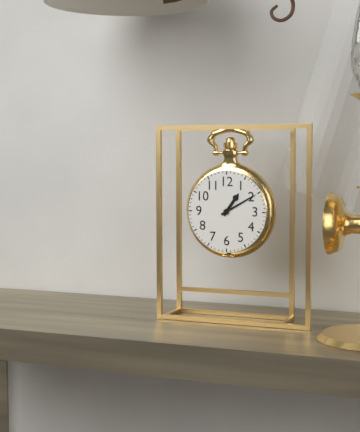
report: 1h10
